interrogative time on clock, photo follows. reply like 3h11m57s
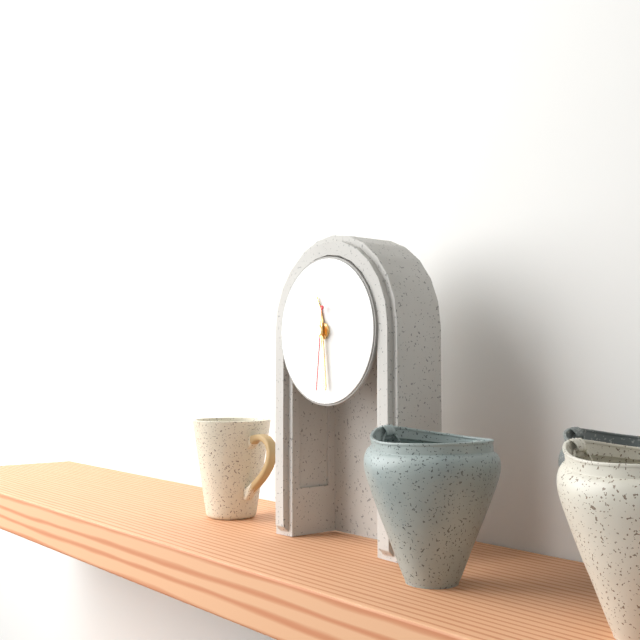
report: 11h29m31s
